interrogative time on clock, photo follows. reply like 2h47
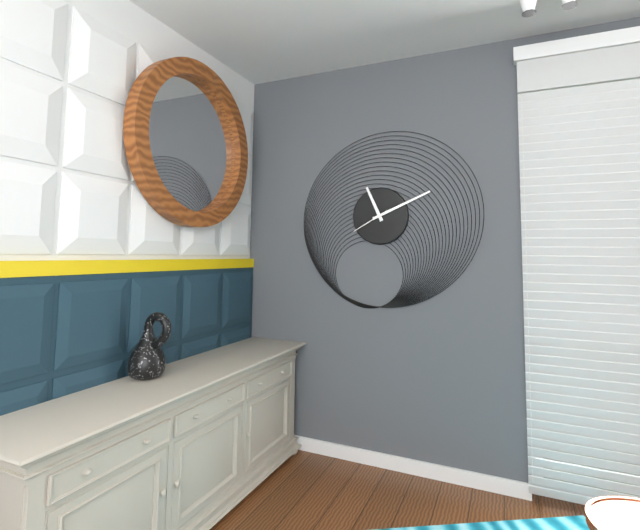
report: 11h11
